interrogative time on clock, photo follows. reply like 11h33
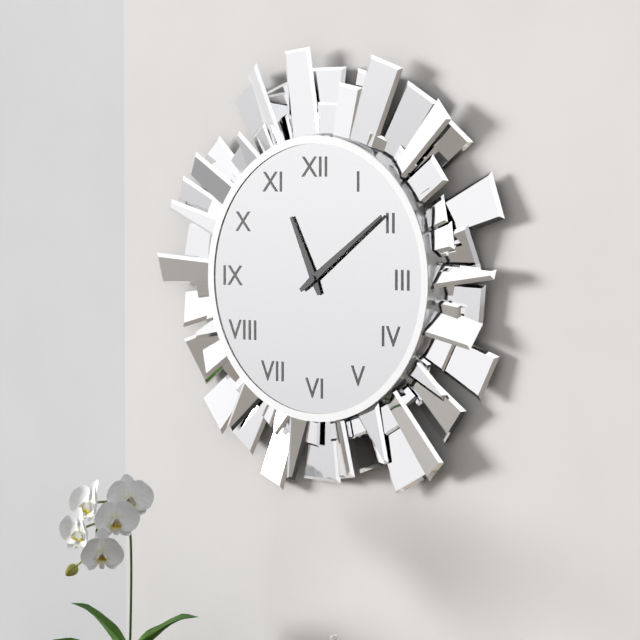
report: 11h09
